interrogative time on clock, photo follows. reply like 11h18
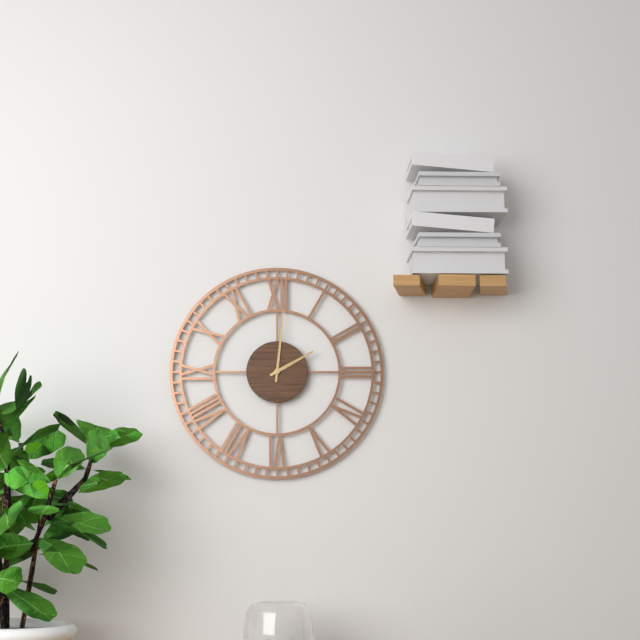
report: 2h01
